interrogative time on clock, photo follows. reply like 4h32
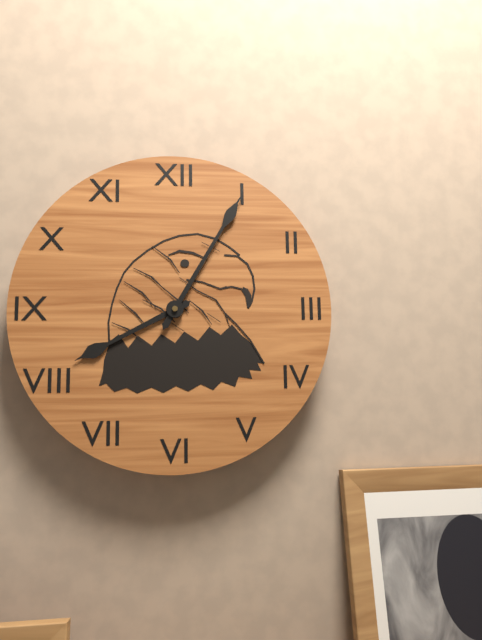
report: 8h05
